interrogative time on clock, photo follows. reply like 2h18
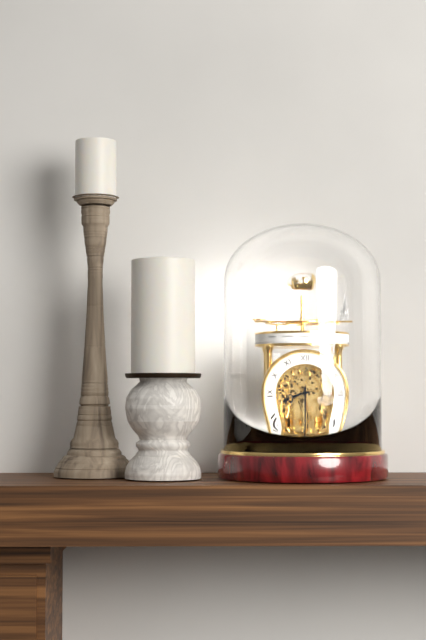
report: 8h30
